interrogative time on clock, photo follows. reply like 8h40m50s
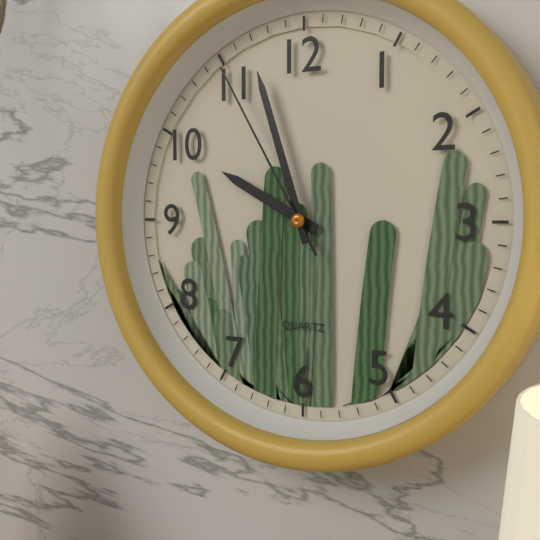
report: 9h57m55s
